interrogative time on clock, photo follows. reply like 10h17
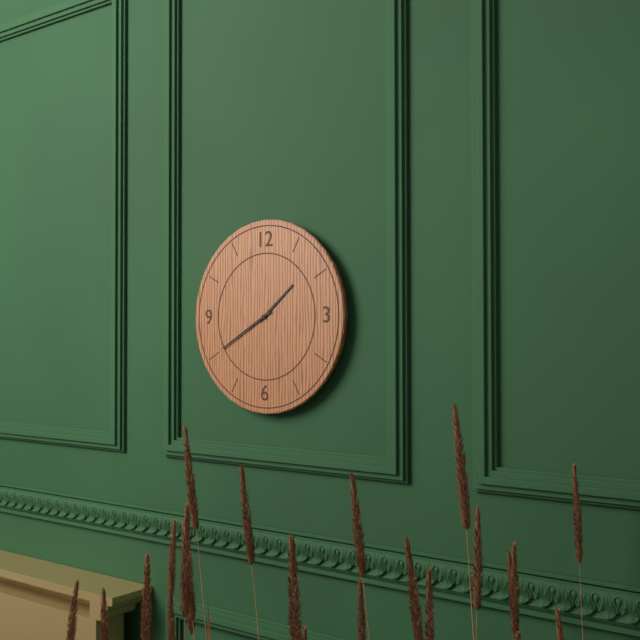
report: 1h40
